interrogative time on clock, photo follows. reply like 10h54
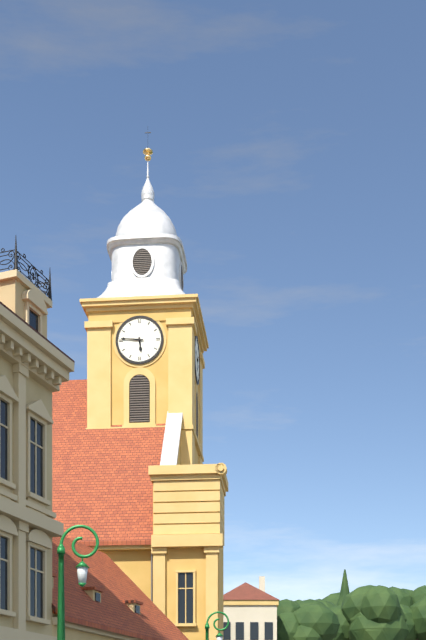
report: 5h46
